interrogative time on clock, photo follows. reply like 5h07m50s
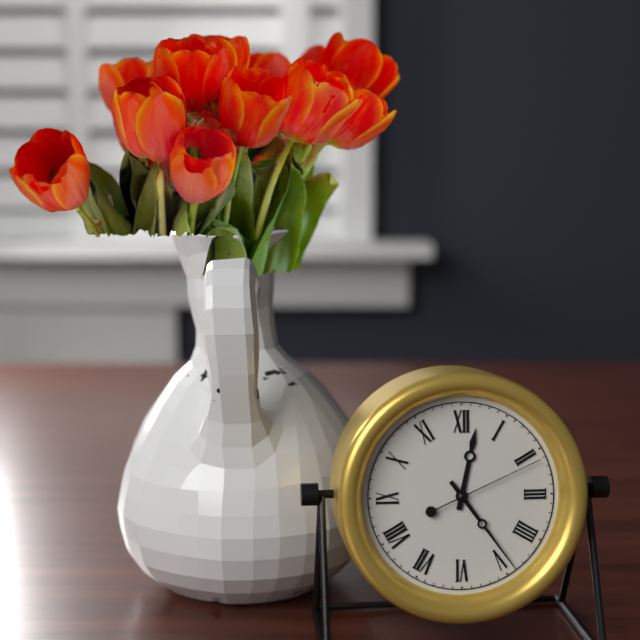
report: 12h24m11s
